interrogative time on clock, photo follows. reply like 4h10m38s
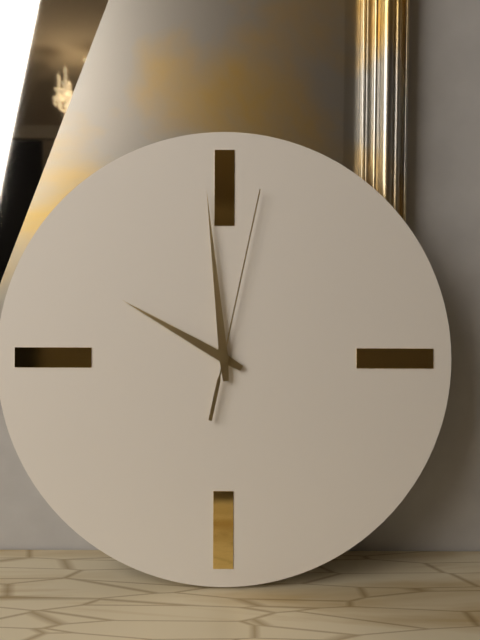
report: 9h59m02s
